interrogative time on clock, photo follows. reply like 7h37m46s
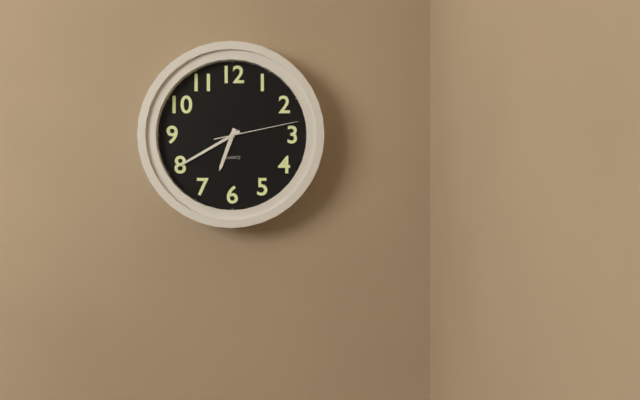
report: 6h40m13s
